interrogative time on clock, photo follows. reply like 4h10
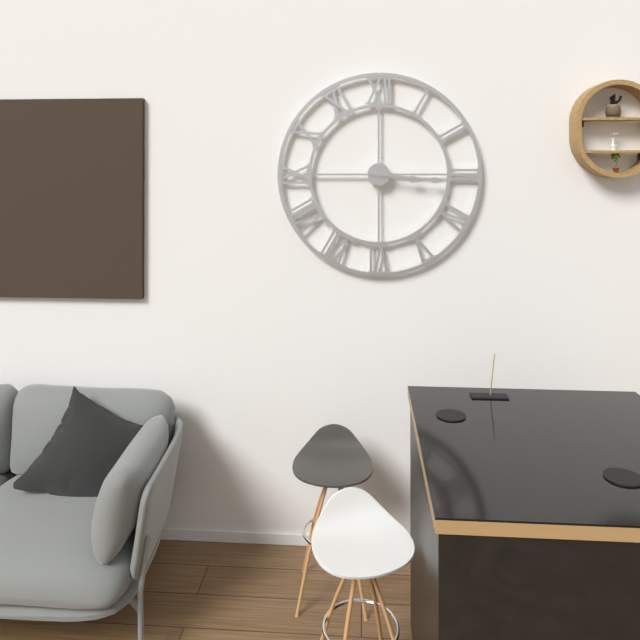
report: 3h16
